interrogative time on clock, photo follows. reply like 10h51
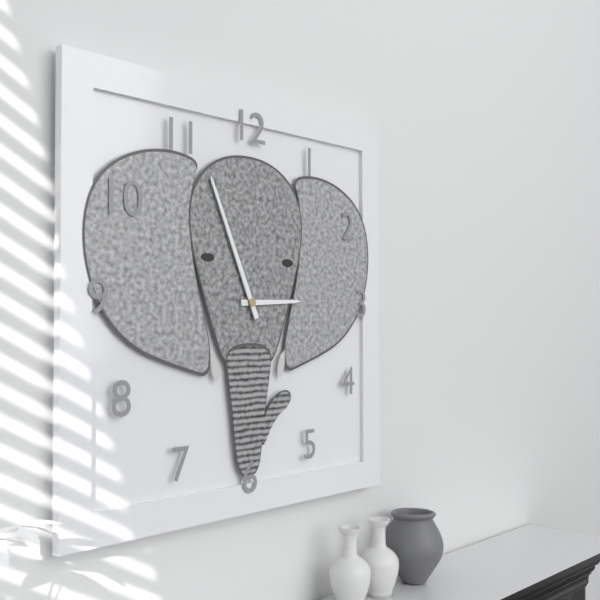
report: 2h56
